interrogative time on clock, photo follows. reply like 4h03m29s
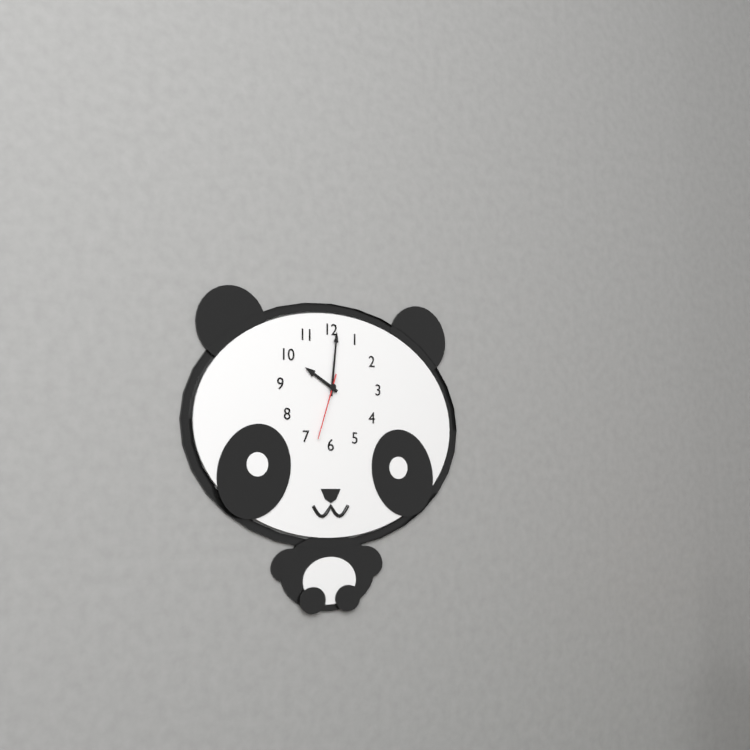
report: 10h01m33s
